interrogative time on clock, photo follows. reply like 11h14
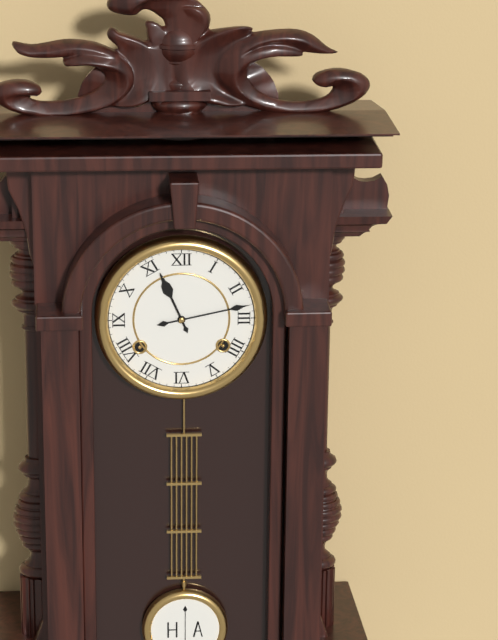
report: 11h13
